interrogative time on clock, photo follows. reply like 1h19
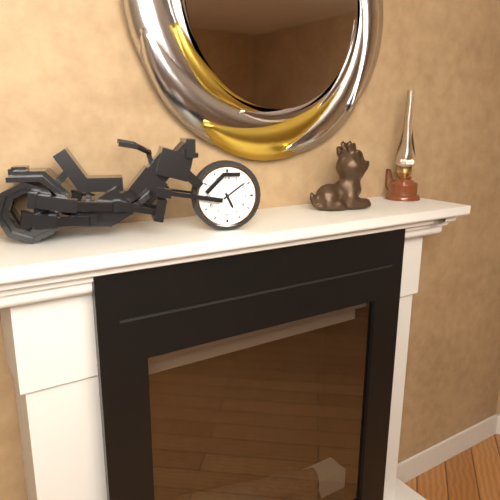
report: 5h09
